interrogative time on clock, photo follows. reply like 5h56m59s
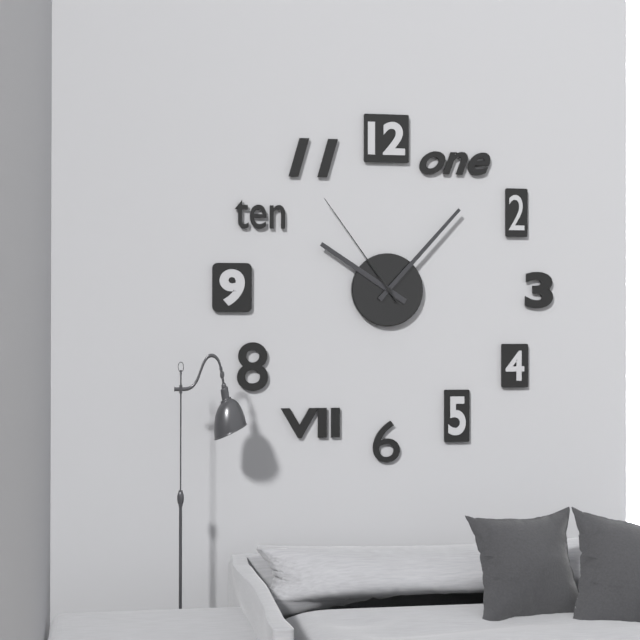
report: 10h07m54s
